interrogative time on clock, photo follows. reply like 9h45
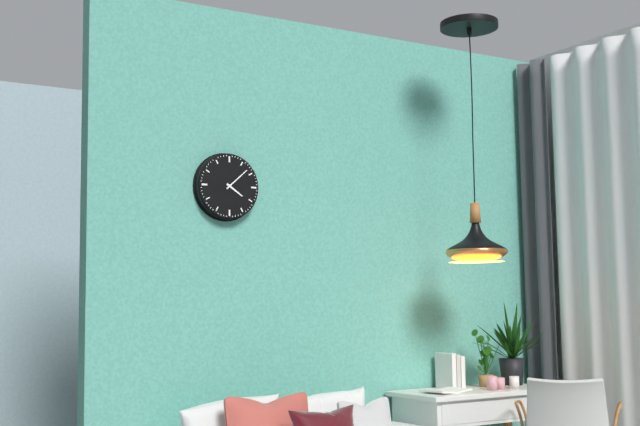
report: 4h08
